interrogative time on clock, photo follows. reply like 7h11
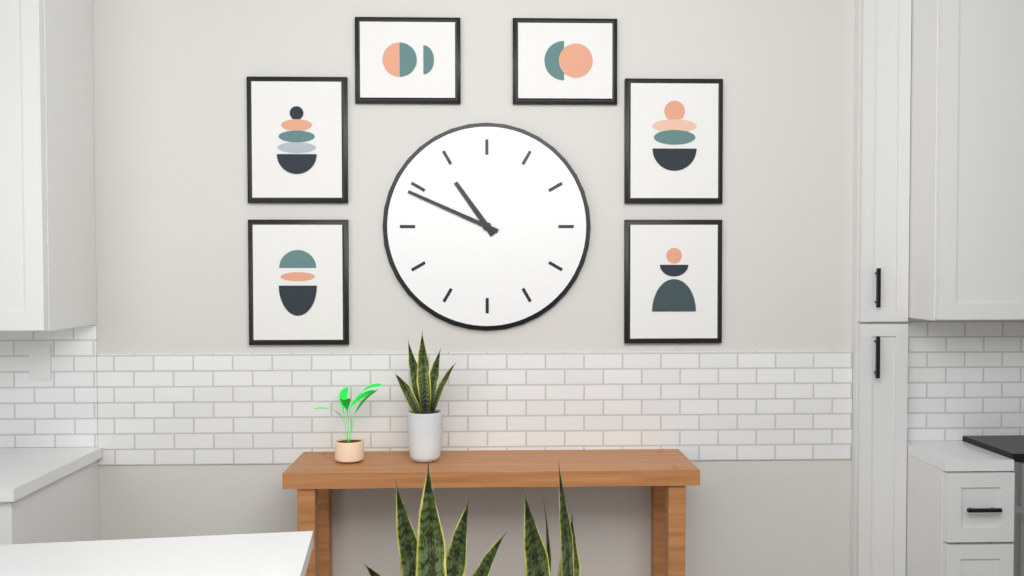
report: 10h49
